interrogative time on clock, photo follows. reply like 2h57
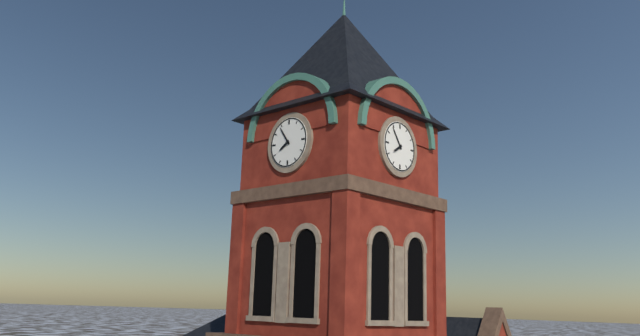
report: 7h54
